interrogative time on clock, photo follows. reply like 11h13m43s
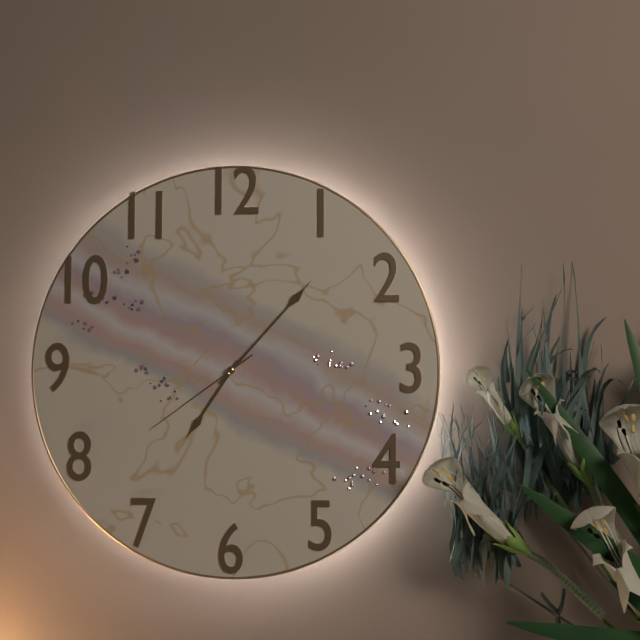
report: 7h07m39s
